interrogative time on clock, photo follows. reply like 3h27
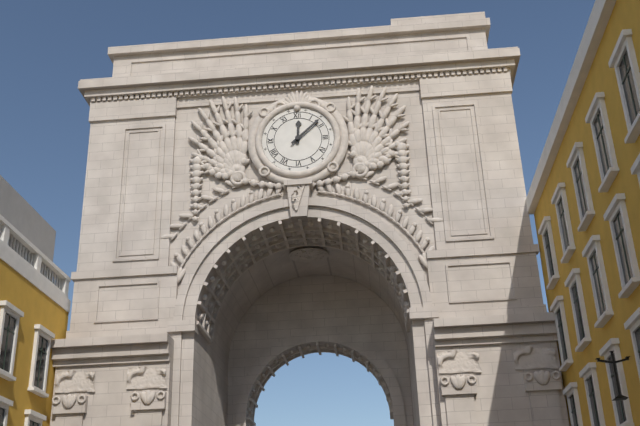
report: 12h08
